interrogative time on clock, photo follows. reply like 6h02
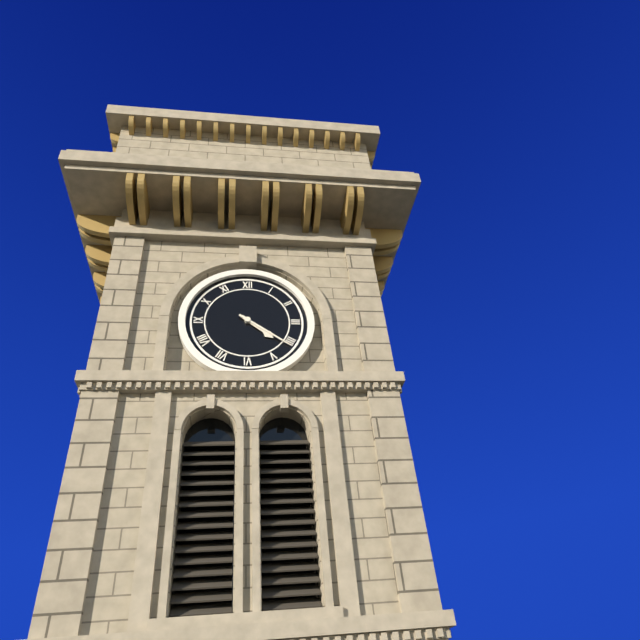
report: 4h21
